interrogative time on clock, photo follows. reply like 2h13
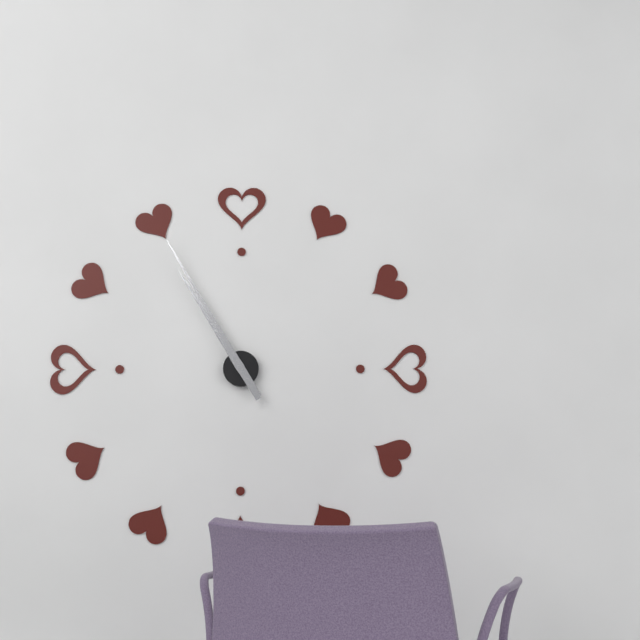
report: 10h55
